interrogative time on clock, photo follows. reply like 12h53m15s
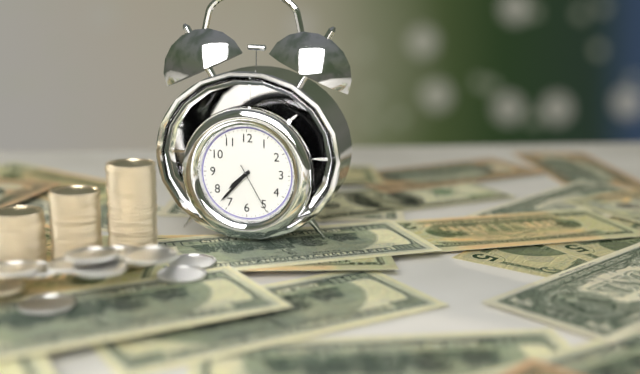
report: 7h37m25s
